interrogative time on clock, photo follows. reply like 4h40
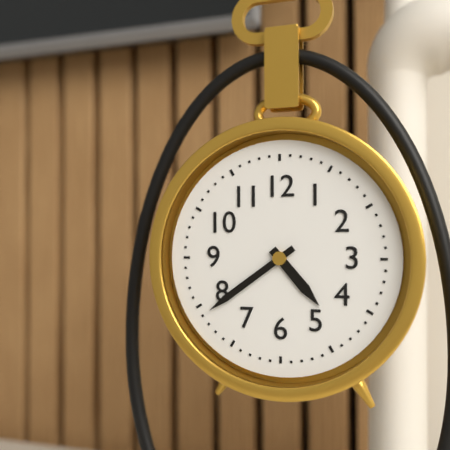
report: 4h39
